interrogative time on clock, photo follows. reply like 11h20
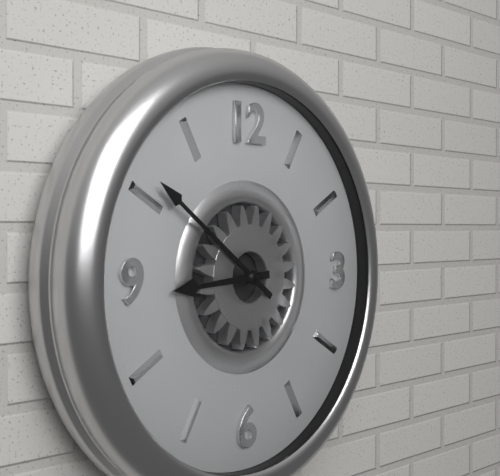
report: 8h51
